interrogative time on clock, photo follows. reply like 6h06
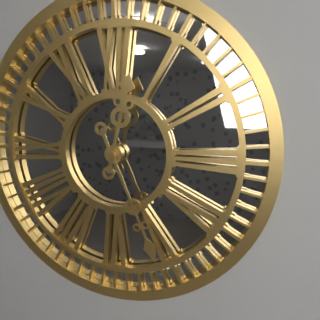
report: 12h26
